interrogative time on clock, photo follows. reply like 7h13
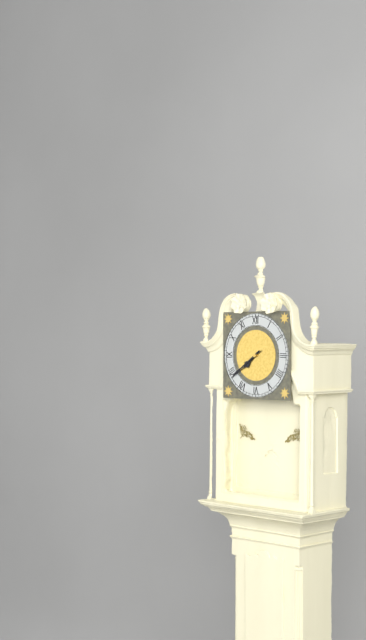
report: 7h39
